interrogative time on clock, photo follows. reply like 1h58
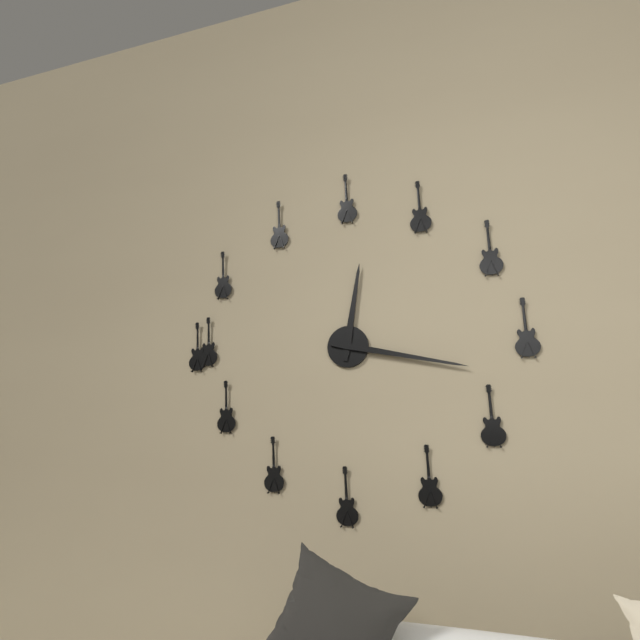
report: 12h17
